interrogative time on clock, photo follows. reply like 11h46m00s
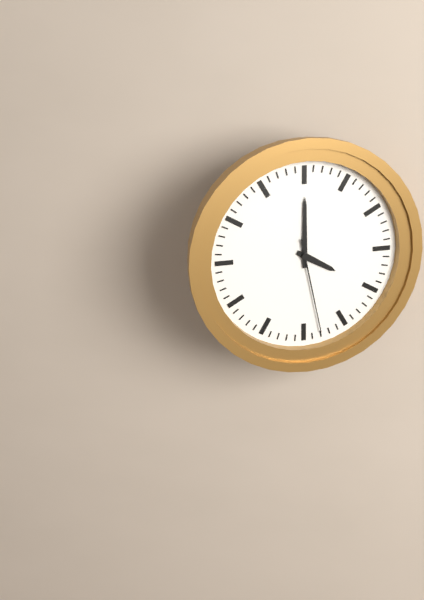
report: 4h00m28s
